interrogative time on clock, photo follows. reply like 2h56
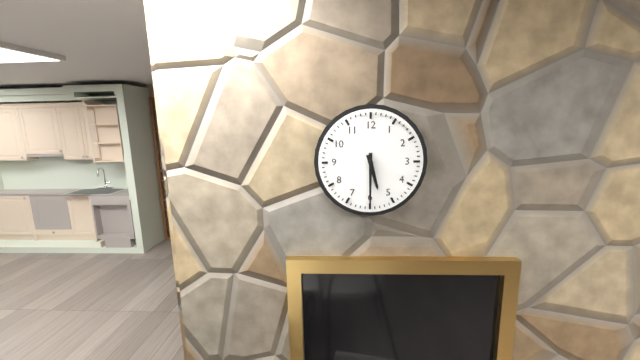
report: 5h30
